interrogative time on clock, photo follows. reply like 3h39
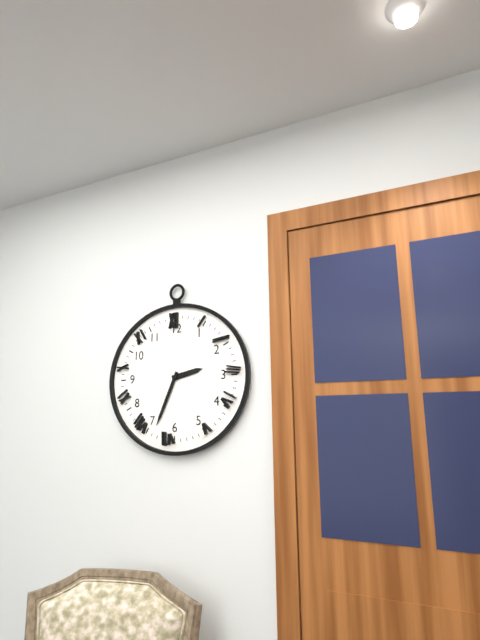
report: 2h34
